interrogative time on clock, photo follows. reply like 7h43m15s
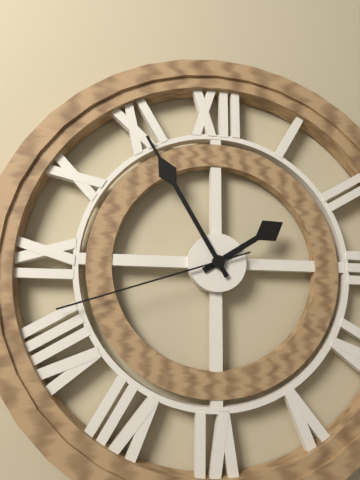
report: 1h55m42s
